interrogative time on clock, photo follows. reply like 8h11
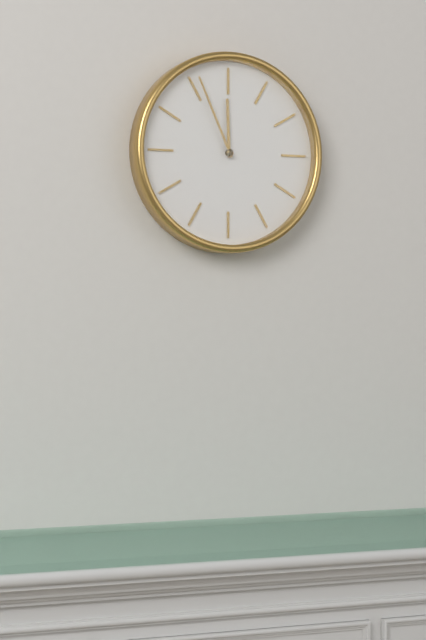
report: 11h56
